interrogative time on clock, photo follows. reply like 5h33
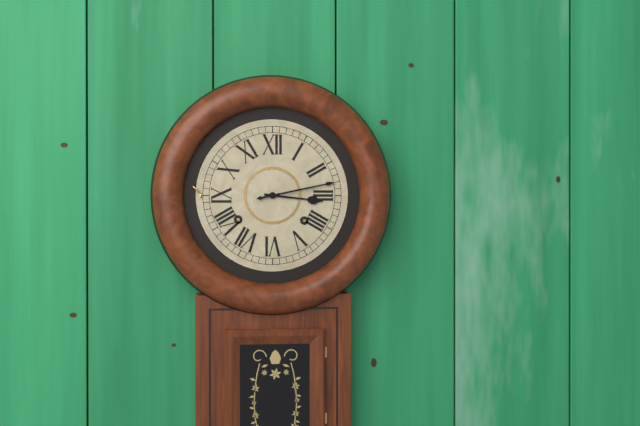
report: 3h13
